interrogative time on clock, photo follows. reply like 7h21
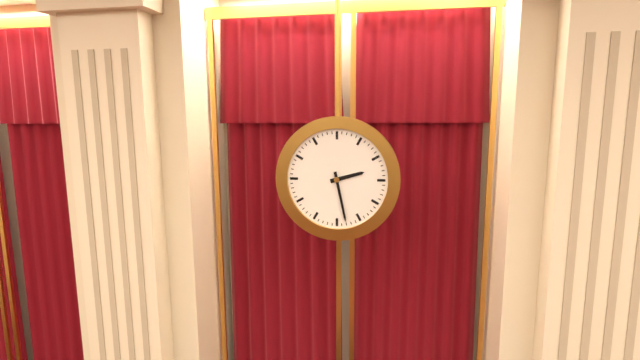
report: 2h28
